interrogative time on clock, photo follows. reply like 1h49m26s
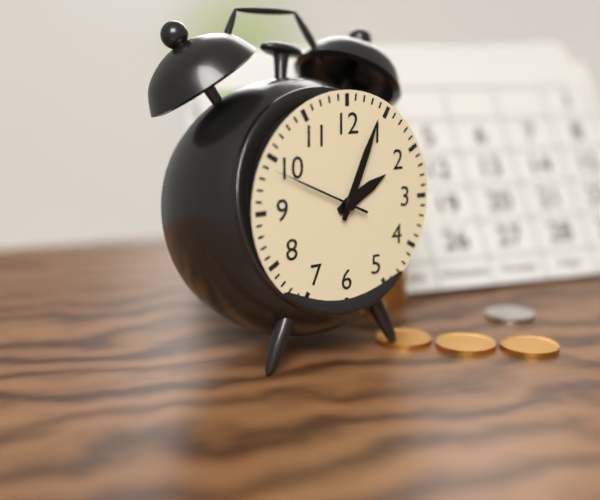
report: 2h04m49s
